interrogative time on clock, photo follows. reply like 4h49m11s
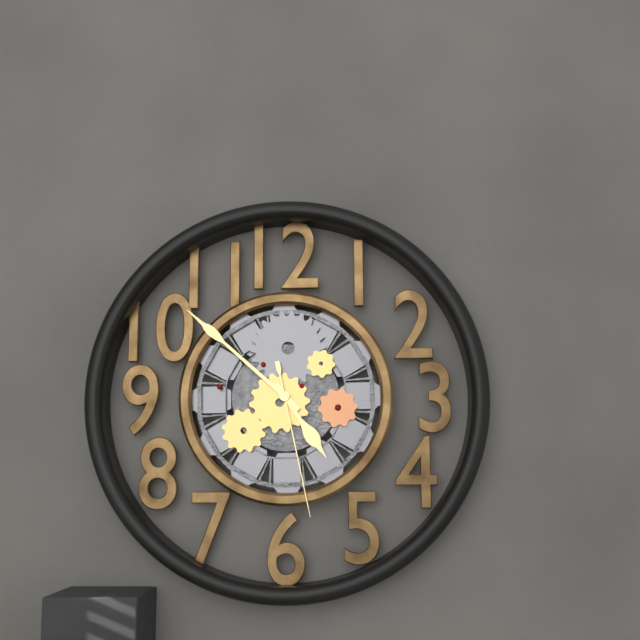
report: 4h52m28s
